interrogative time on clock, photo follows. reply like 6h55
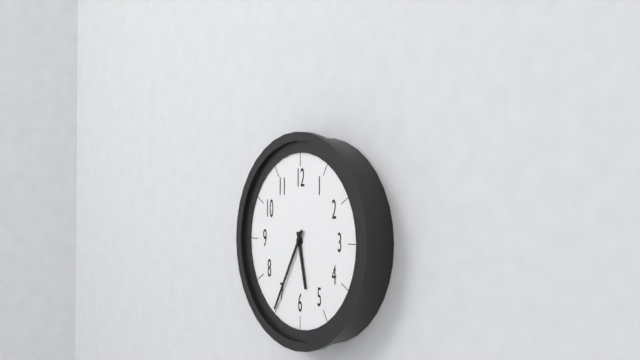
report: 5h35
